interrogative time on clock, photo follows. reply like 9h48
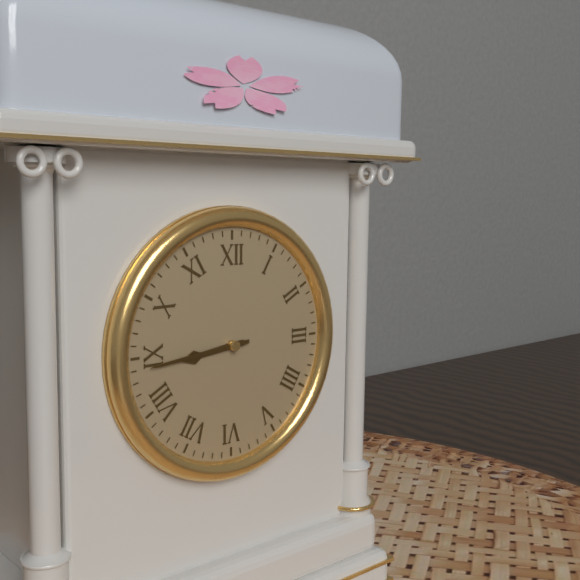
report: 8h44
